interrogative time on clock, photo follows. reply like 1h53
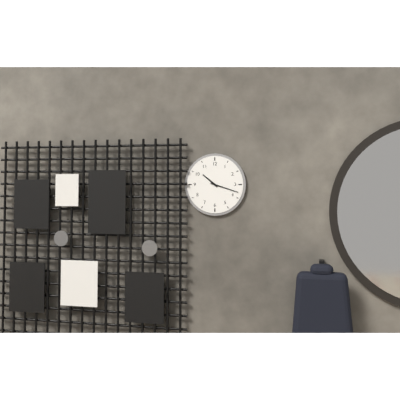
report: 10h18
